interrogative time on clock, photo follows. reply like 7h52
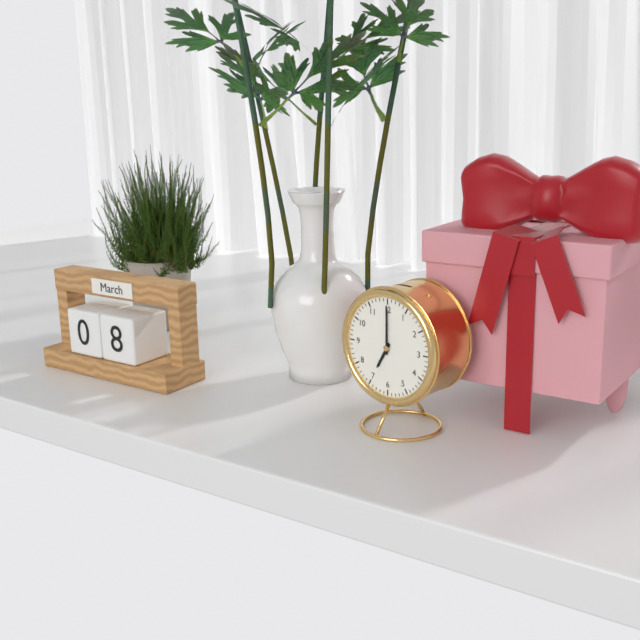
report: 7h00
